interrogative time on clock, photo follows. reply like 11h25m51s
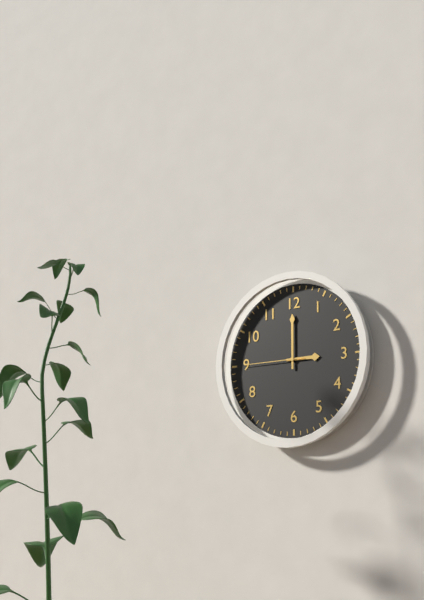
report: 3h00m45s
